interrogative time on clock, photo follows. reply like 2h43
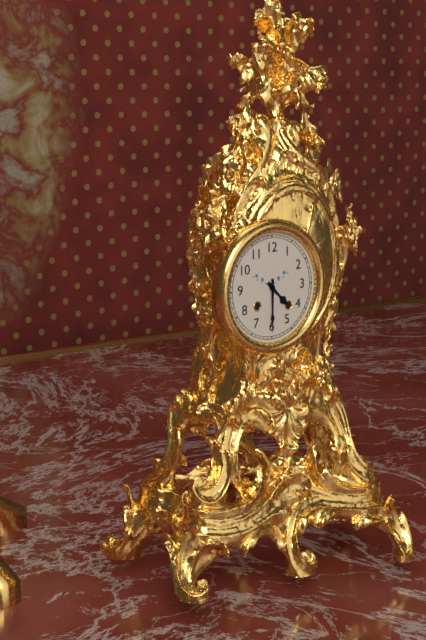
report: 4h30
